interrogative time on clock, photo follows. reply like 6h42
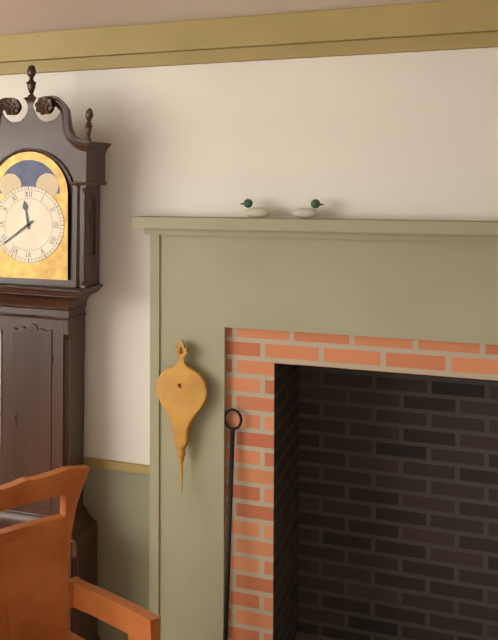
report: 11h39
